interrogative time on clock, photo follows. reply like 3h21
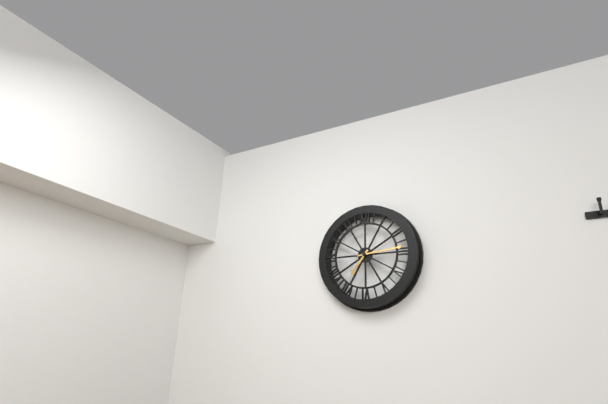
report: 7h14
